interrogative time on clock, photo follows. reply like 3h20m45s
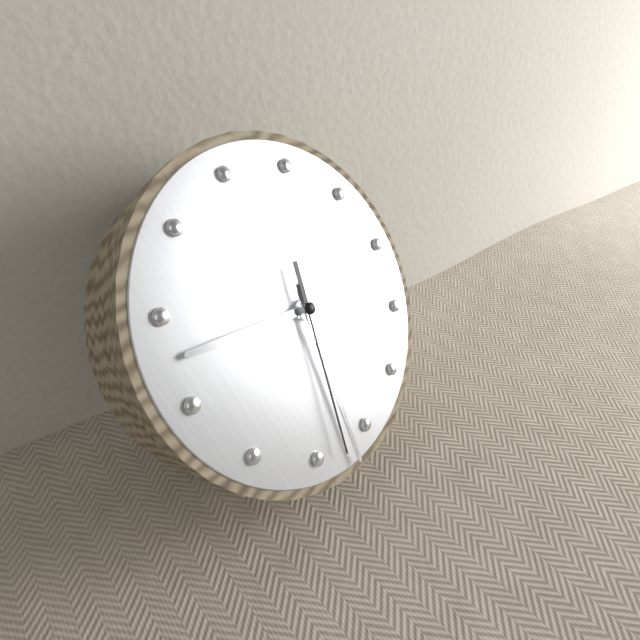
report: 9h32m33s
